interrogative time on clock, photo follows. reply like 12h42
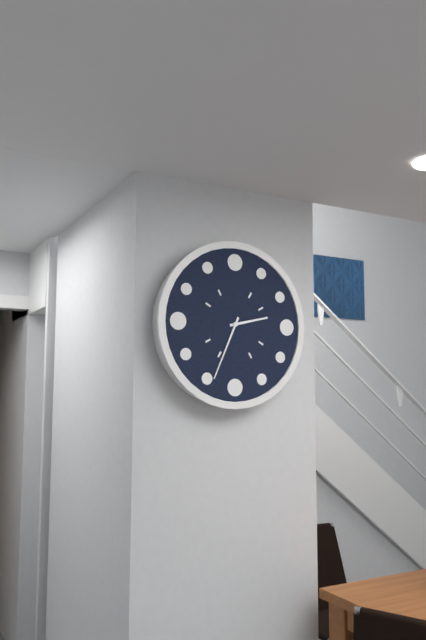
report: 2h34
